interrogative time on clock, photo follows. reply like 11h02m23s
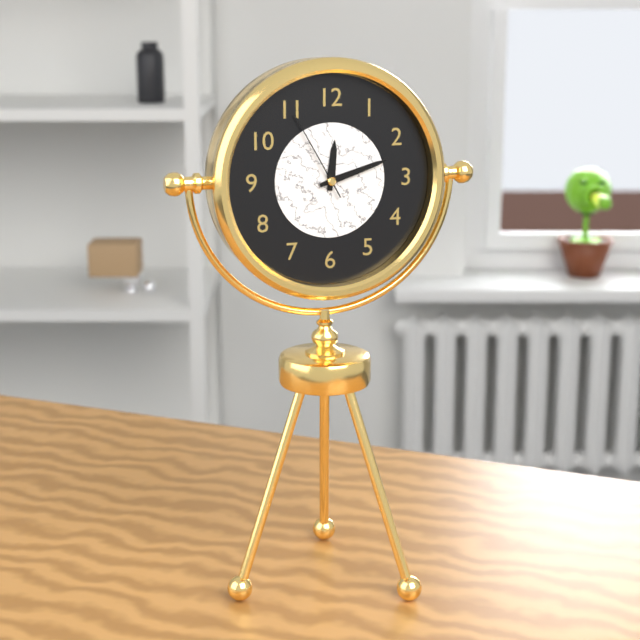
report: 12h12m55s
